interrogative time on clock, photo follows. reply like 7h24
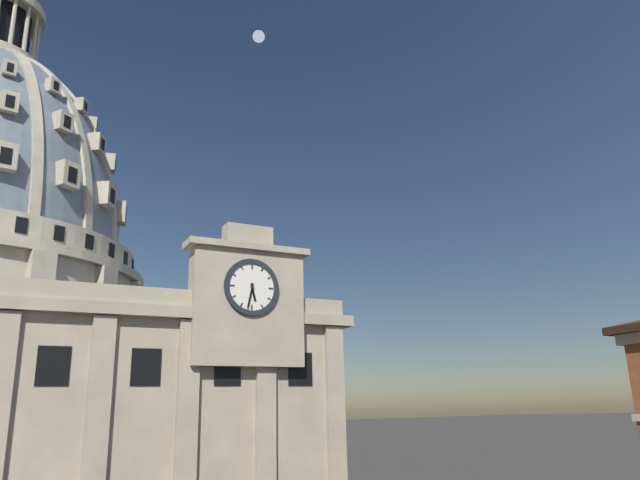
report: 5h32
